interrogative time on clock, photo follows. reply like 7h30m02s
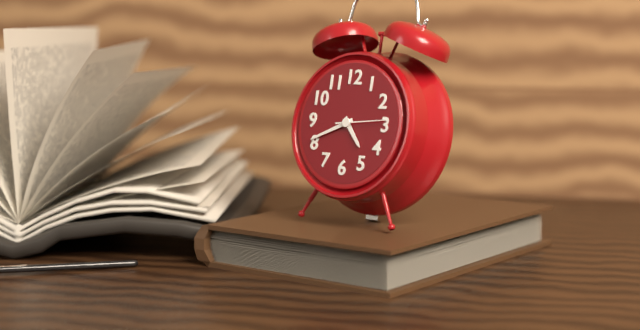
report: 4h41m14s
